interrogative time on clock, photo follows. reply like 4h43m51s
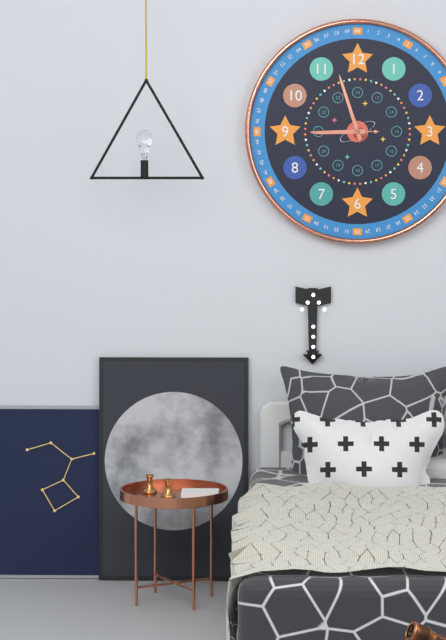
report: 8h57m45s
